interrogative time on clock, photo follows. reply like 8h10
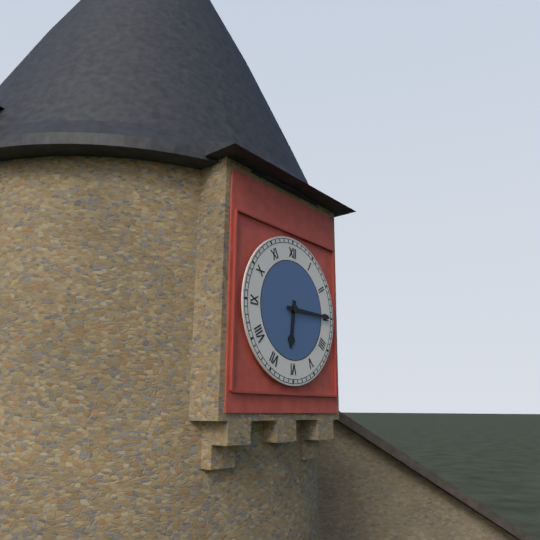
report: 6h15
